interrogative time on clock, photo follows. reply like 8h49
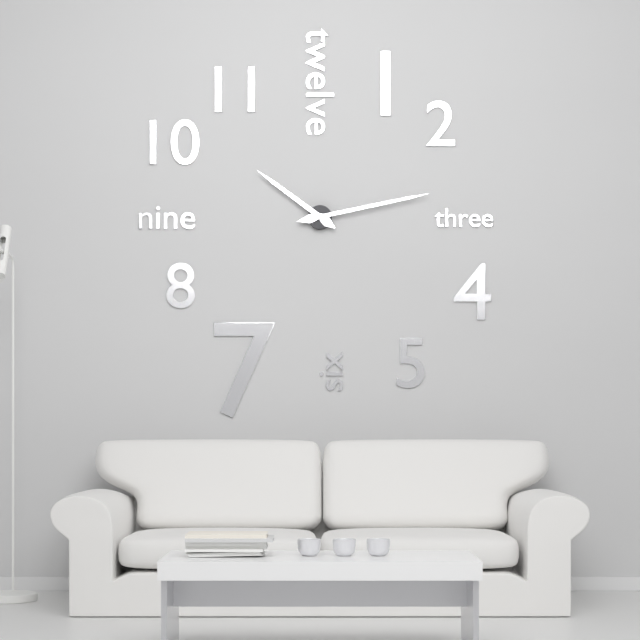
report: 10h13
